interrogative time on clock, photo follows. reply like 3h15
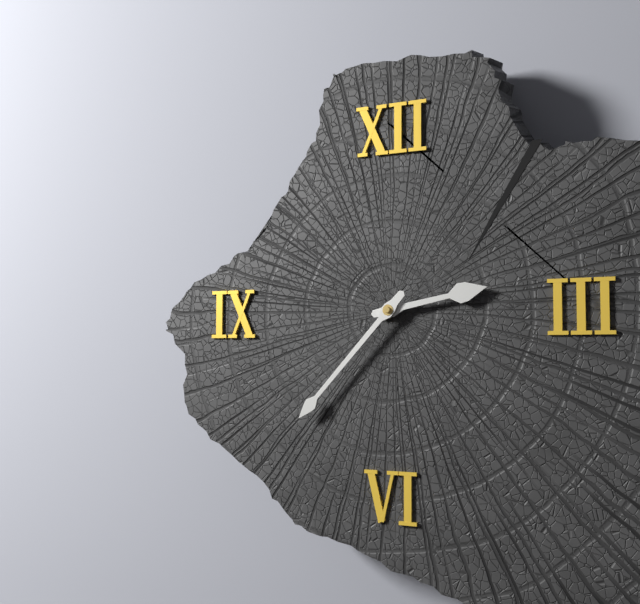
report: 2h37
